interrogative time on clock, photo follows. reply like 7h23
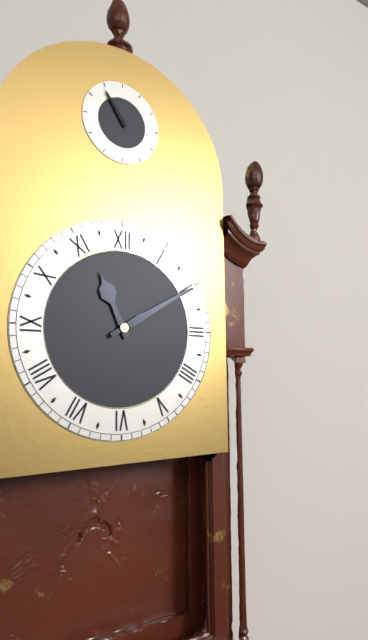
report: 11h10
